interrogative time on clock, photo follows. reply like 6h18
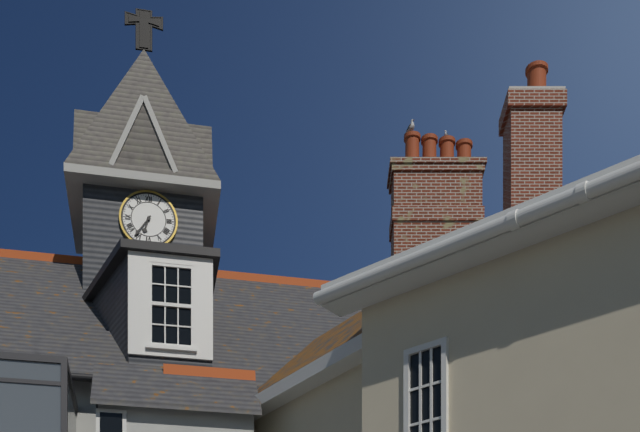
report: 6h36
